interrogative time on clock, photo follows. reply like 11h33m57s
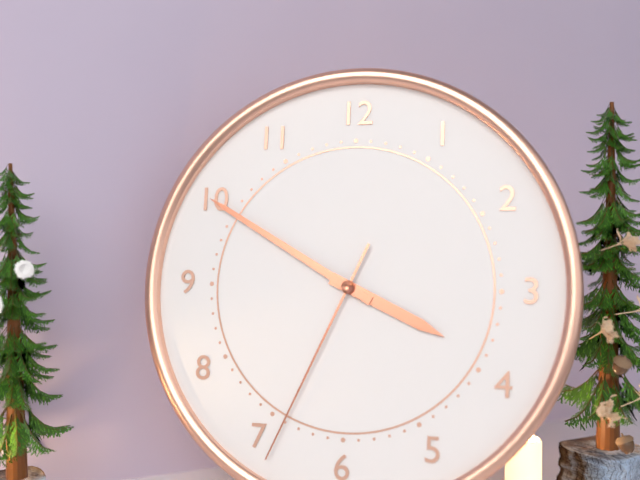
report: 3h50m34s
